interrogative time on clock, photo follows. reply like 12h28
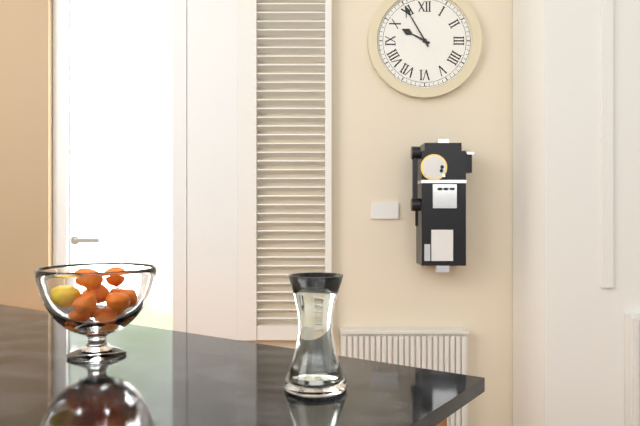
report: 9h55
